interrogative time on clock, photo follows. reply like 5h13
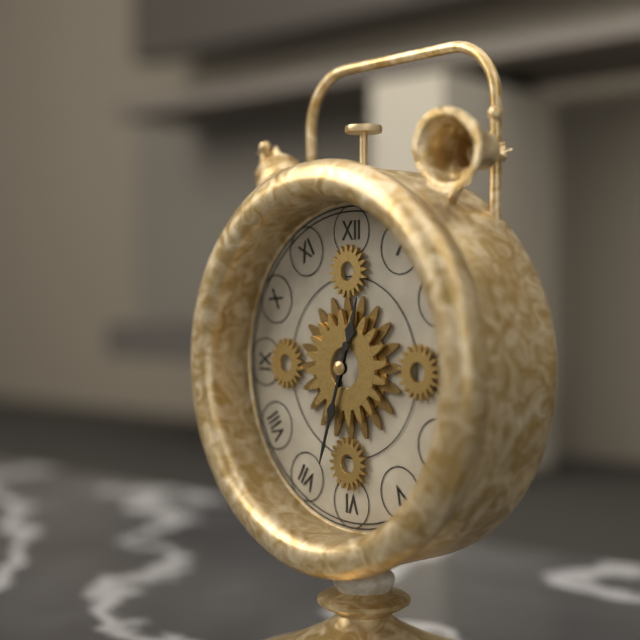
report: 12h33
